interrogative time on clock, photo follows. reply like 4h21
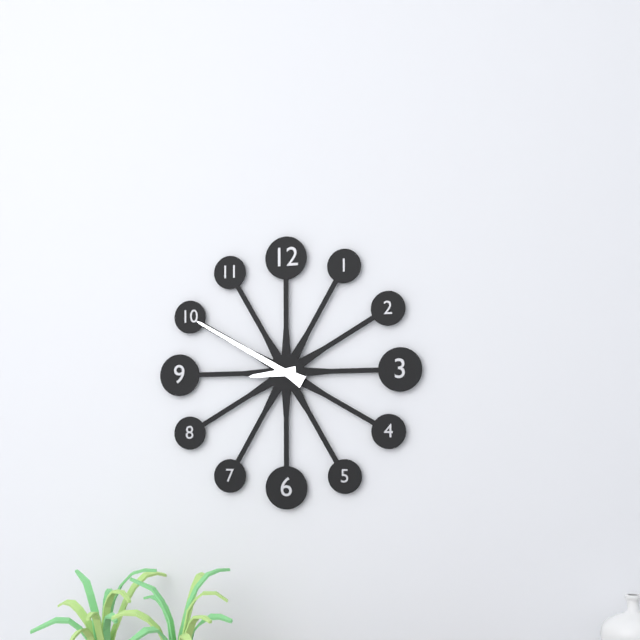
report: 8h50
